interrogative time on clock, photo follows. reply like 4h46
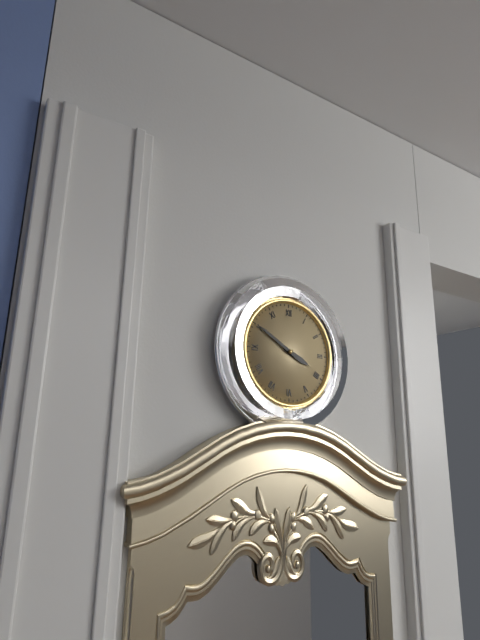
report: 3h50
